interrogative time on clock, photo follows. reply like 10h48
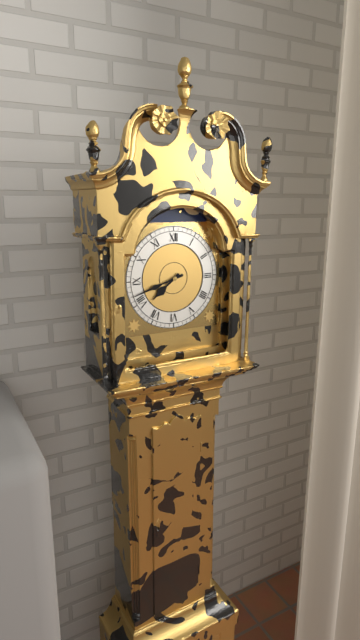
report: 7h42
